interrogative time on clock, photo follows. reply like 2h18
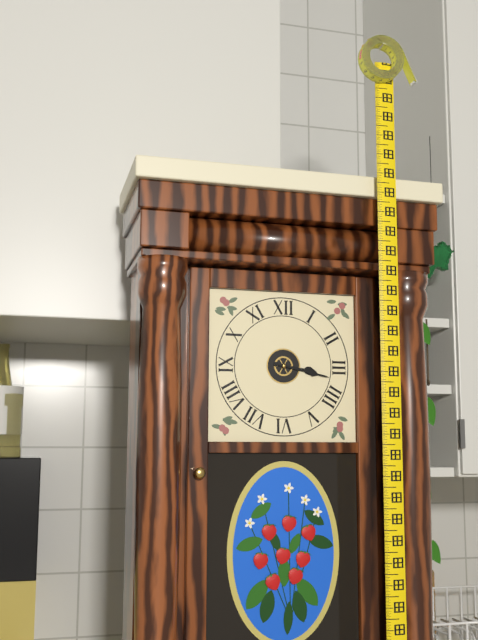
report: 3h17
